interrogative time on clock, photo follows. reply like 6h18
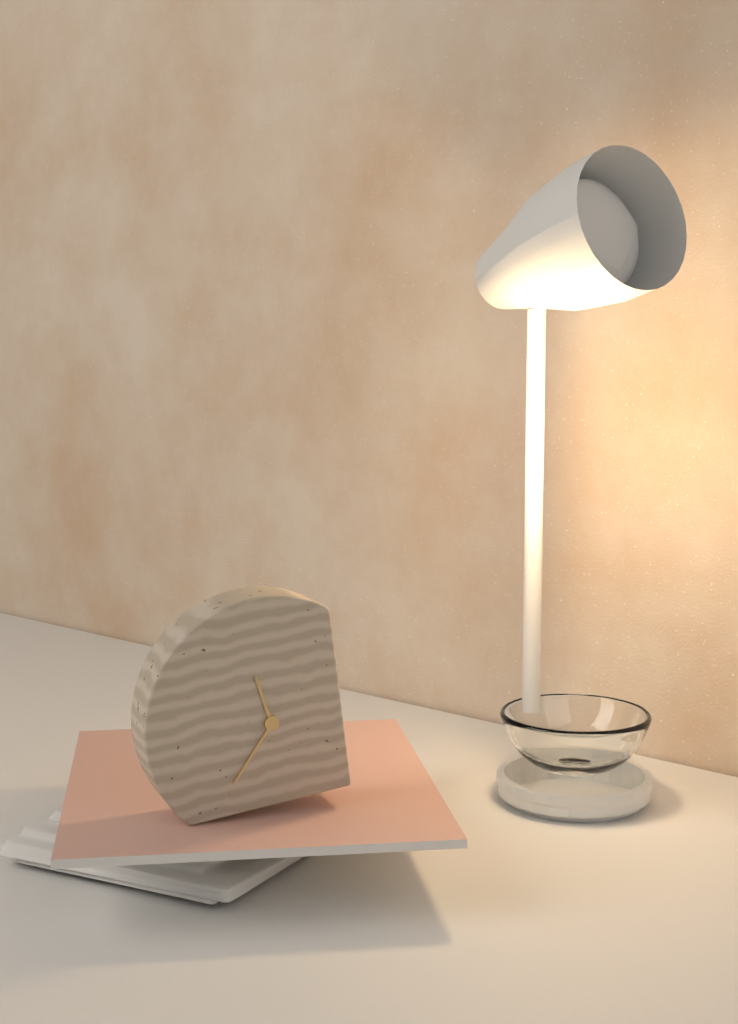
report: 11h37
